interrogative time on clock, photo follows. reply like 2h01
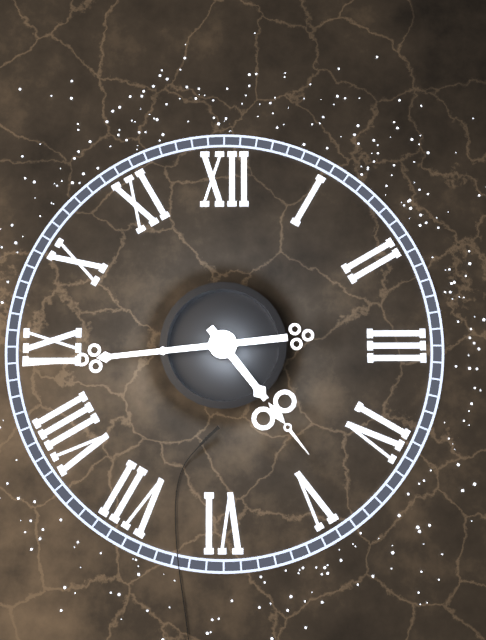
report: 4h44
